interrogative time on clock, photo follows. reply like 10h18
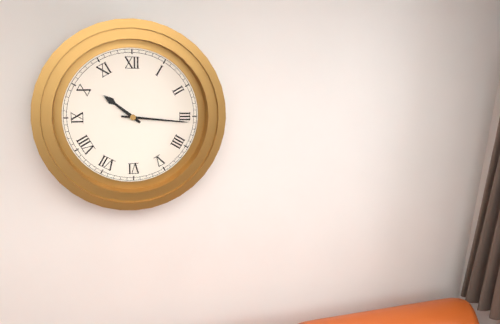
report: 10h16
